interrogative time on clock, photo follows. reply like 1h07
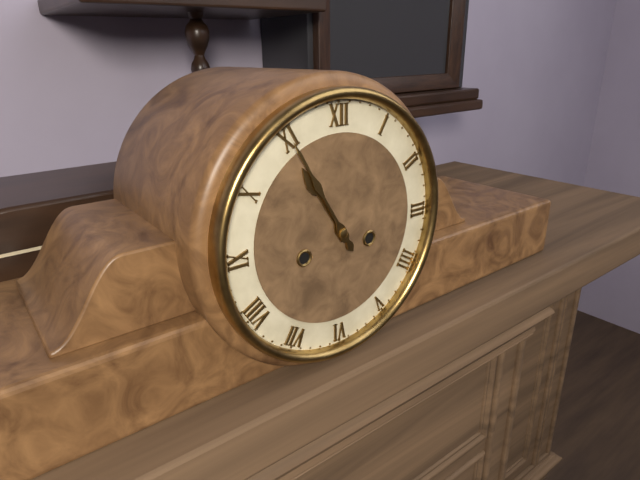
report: 10h55
